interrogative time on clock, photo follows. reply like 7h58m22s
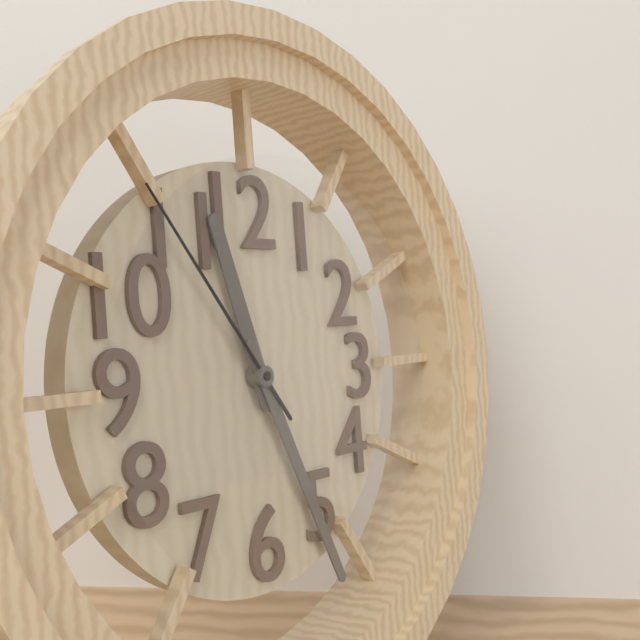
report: 11h26m54s
